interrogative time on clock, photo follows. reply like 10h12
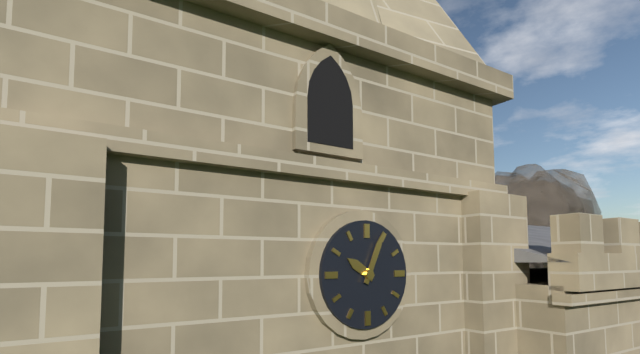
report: 10h04
